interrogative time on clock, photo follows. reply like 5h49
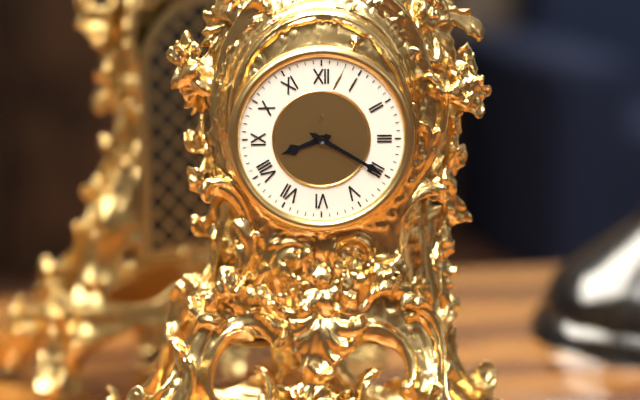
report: 8h20
